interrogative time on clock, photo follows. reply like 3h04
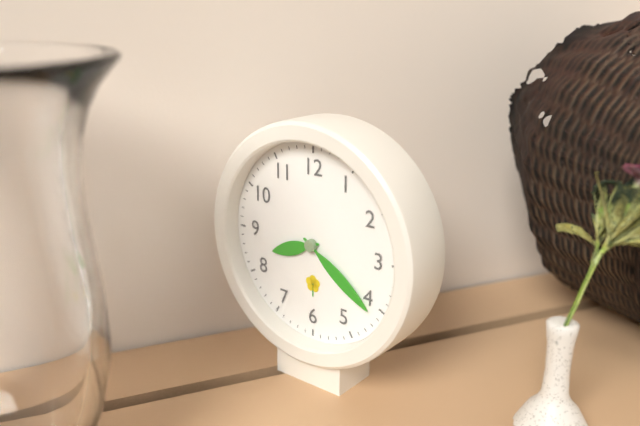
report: 8h21
